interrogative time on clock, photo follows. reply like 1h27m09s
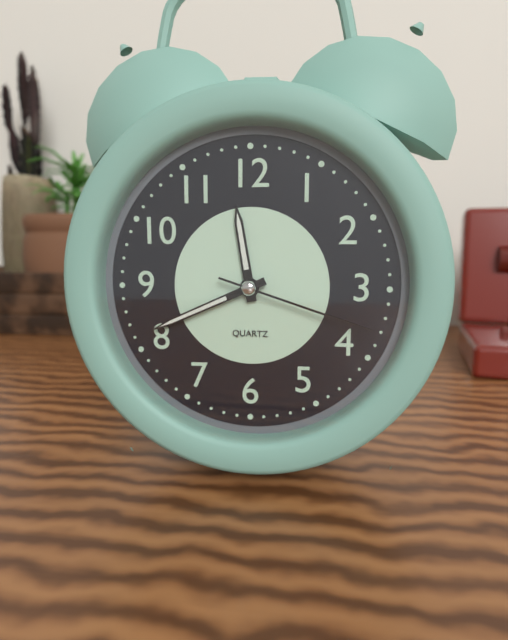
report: 11h41m18s
